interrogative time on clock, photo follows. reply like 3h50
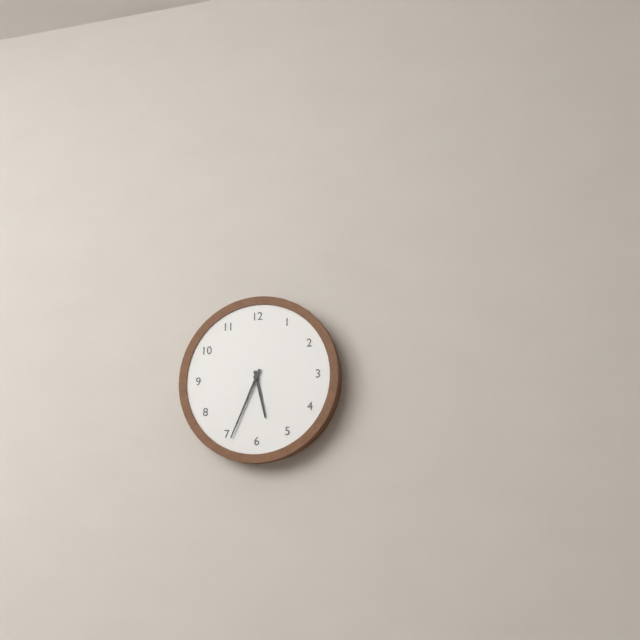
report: 5h34
